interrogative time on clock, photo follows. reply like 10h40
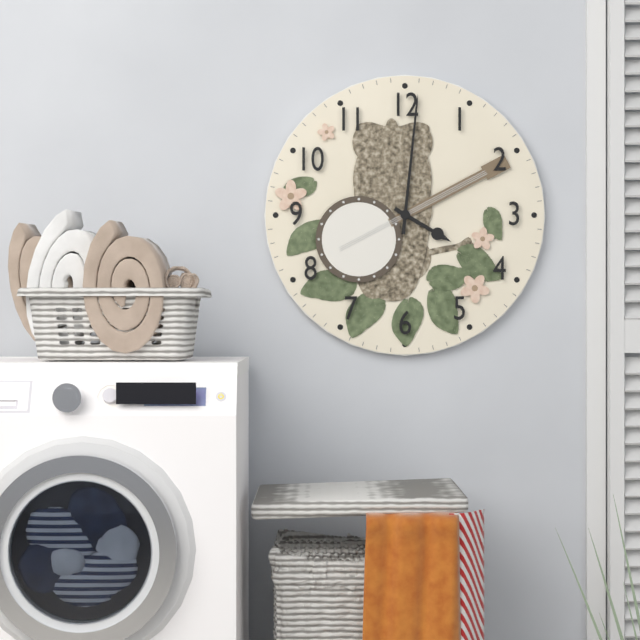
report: 4h01
